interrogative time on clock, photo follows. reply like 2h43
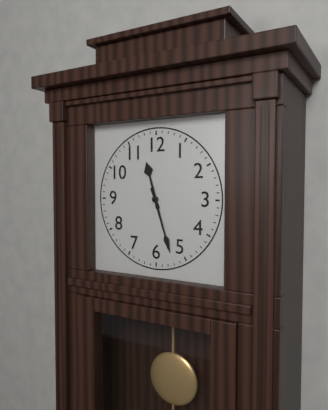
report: 11h27
